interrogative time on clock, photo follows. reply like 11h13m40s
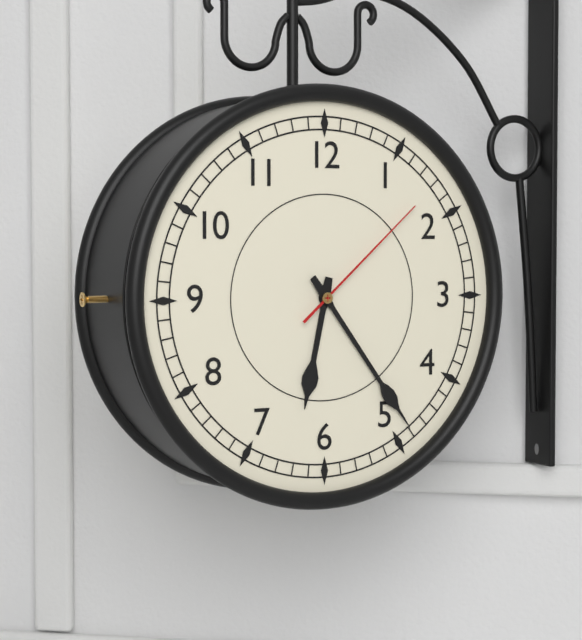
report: 6h24m08s
